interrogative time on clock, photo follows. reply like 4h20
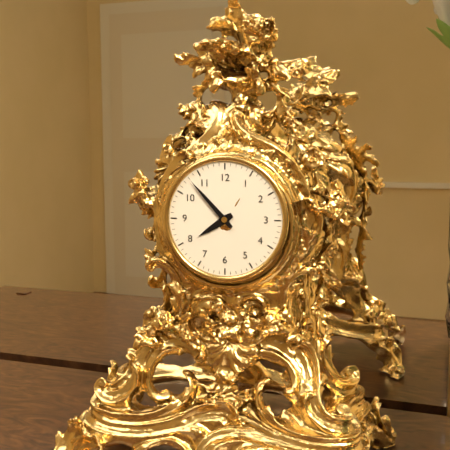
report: 7h53
